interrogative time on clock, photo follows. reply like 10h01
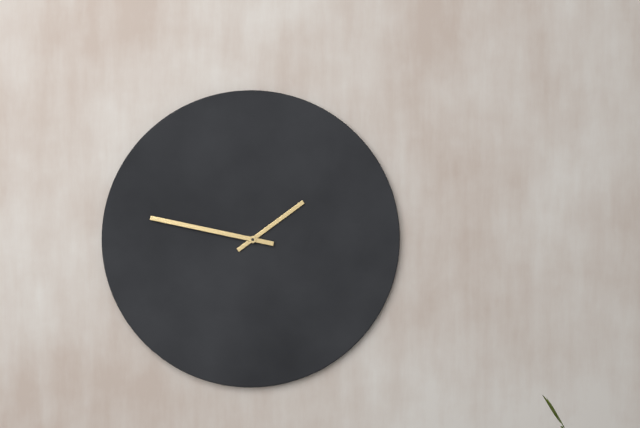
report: 1h47
